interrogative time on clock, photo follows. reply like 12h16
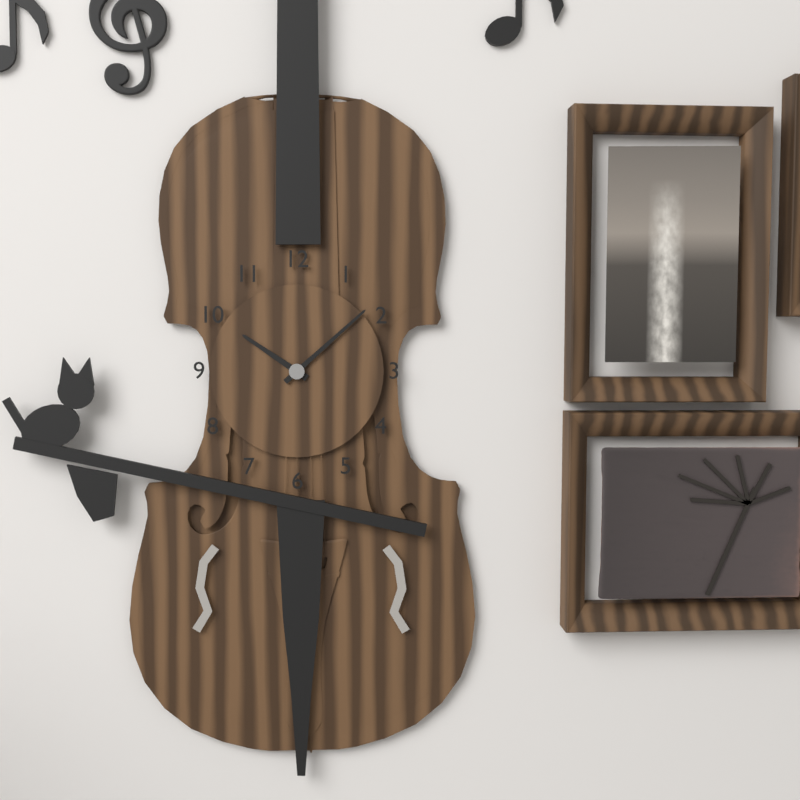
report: 10h08
